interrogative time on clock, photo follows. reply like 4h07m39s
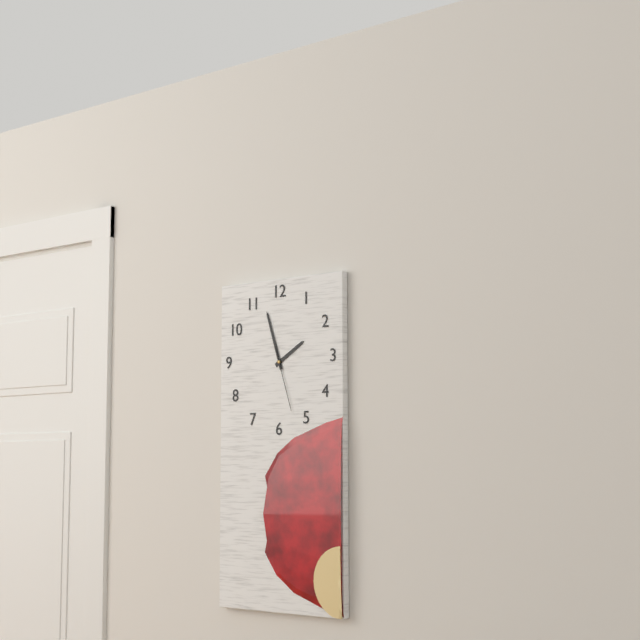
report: 1h57m27s
